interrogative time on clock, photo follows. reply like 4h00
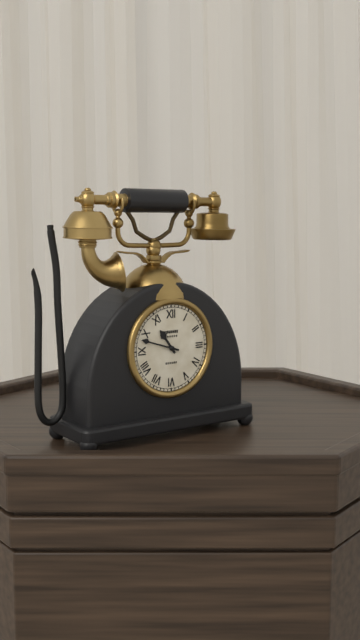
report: 10h48
